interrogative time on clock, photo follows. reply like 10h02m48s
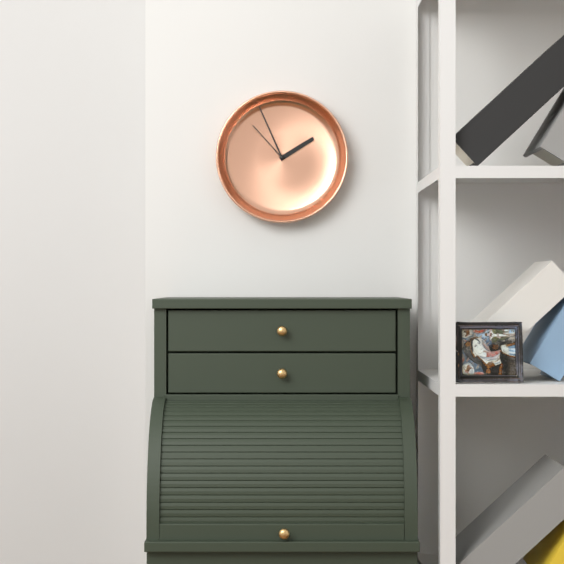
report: 1h56m53s
